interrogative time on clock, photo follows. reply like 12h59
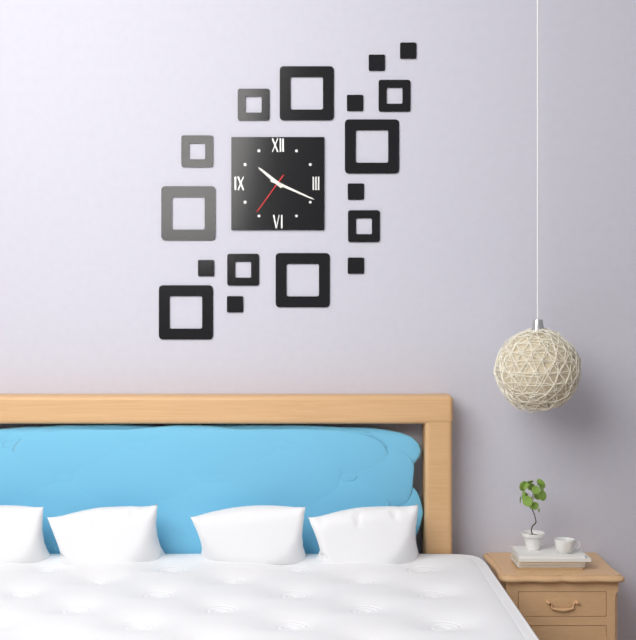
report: 10h19
